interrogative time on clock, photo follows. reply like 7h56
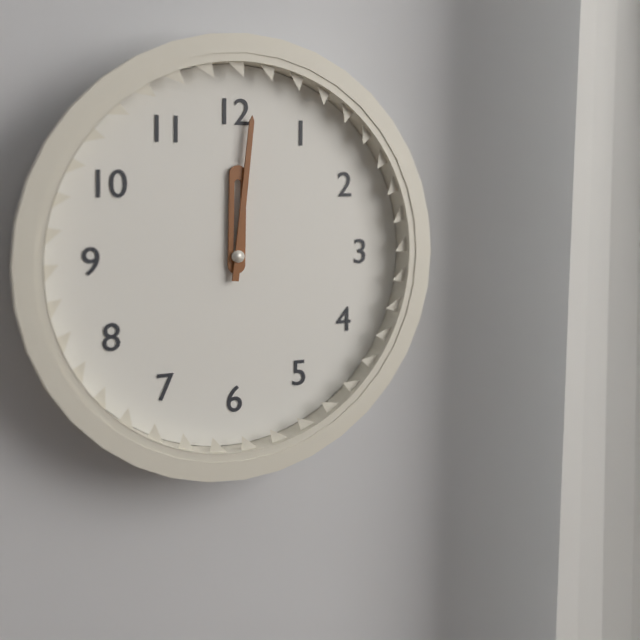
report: 12h01
